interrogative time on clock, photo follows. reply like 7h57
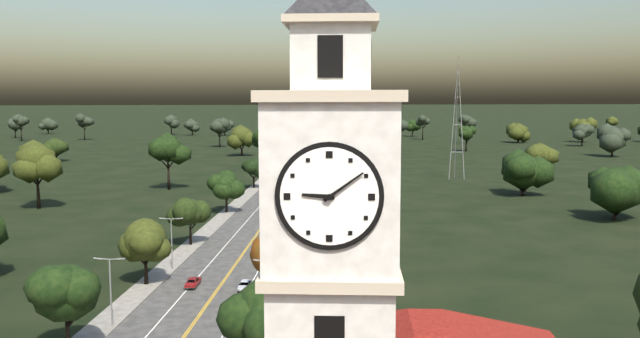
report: 9h09
